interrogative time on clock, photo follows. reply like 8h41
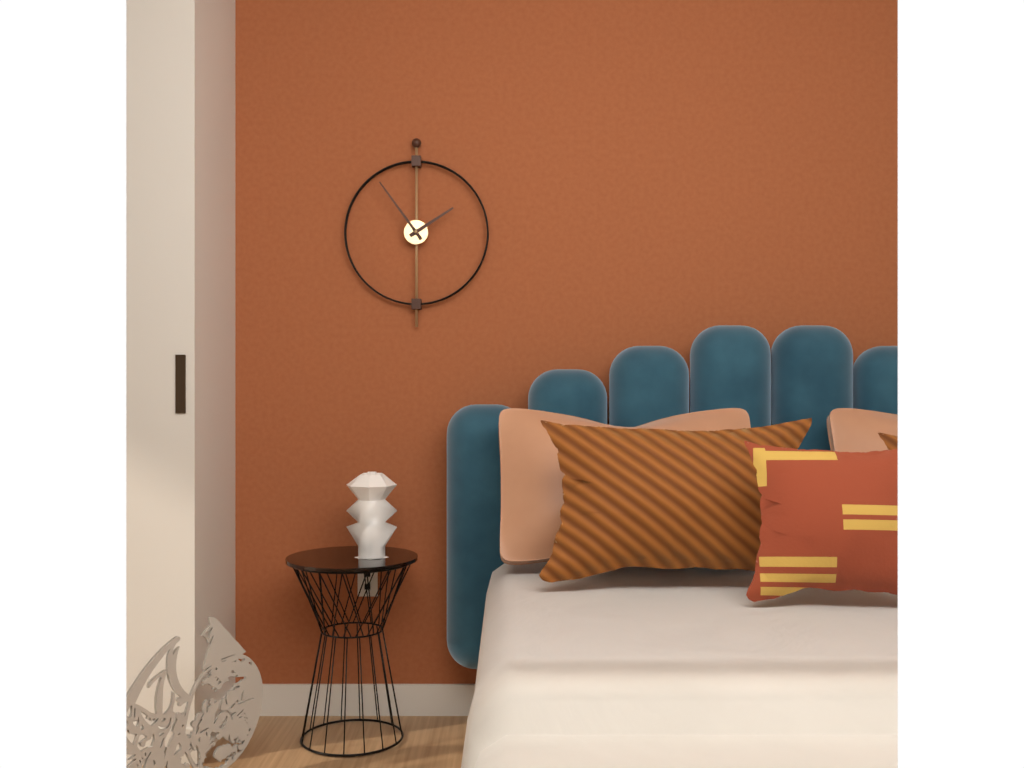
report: 1h54
